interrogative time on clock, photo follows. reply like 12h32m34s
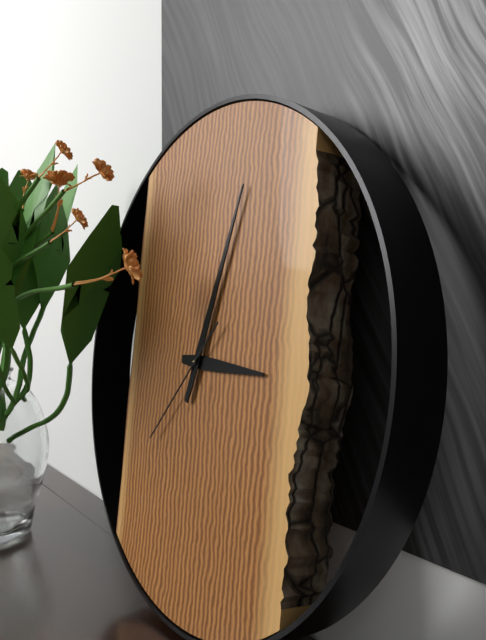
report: 3h03m37s
